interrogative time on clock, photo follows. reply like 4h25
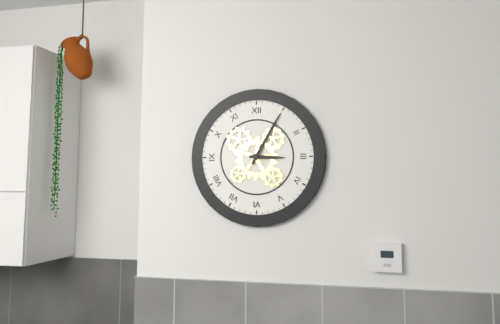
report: 3h05
